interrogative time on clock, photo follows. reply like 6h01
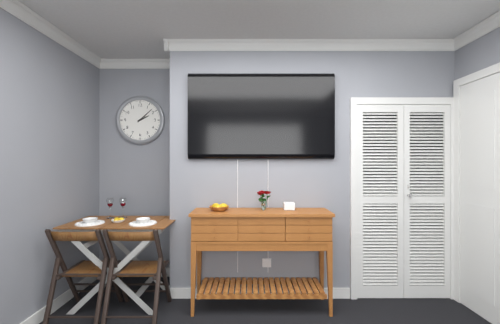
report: 2h08
